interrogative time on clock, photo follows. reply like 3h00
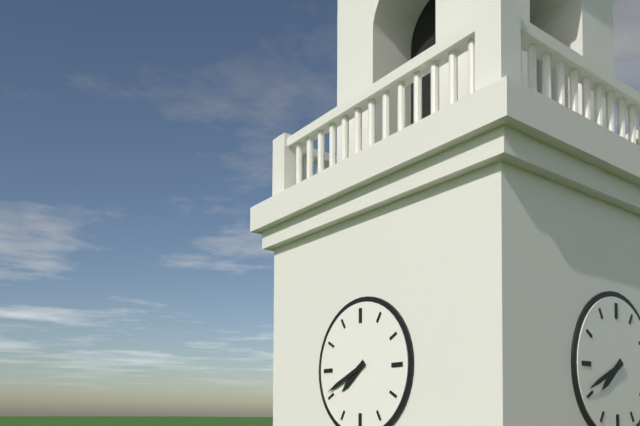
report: 7h41
